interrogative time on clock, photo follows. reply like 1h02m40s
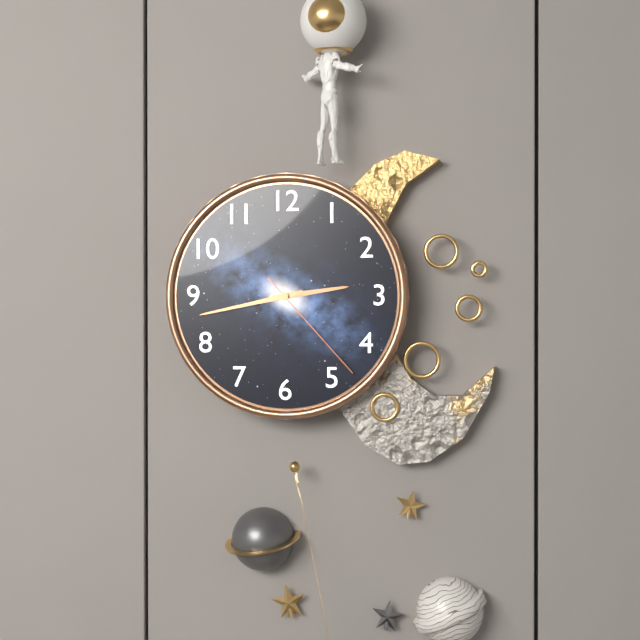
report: 2h43m23s
